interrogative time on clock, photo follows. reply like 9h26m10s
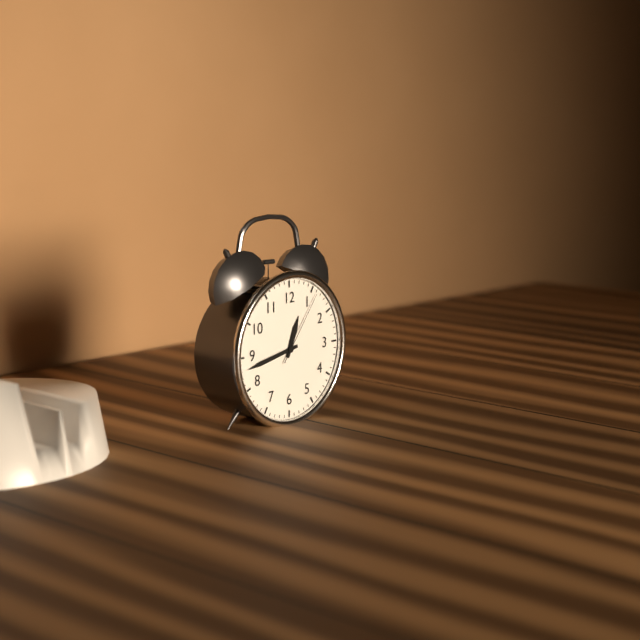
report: 12h43m06s
